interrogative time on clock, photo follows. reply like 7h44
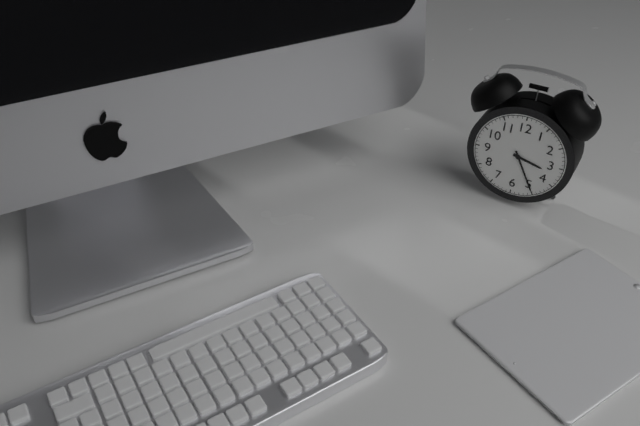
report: 3h25
